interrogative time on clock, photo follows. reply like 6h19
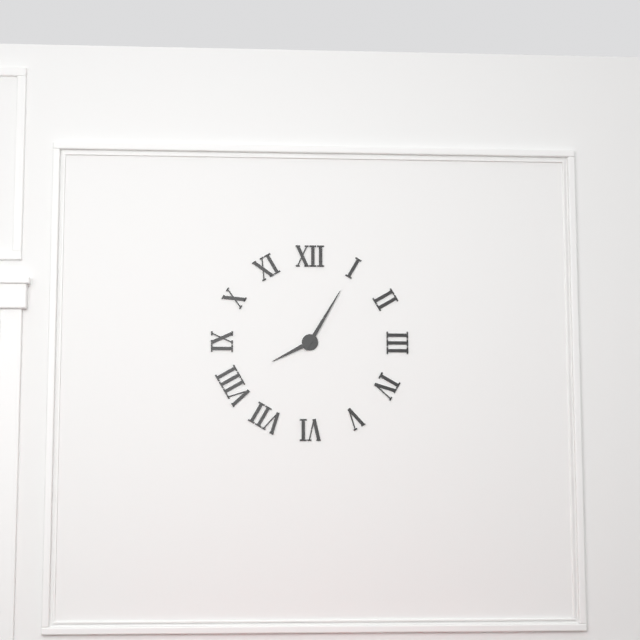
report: 8h05
